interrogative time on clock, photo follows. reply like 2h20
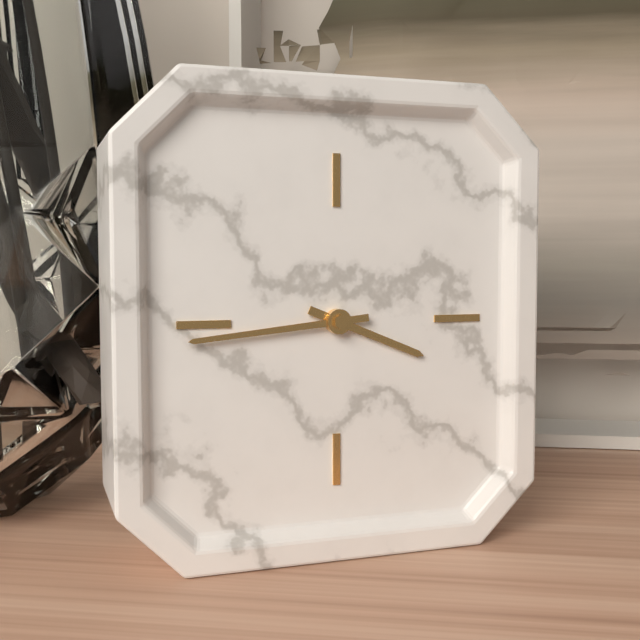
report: 3h44
